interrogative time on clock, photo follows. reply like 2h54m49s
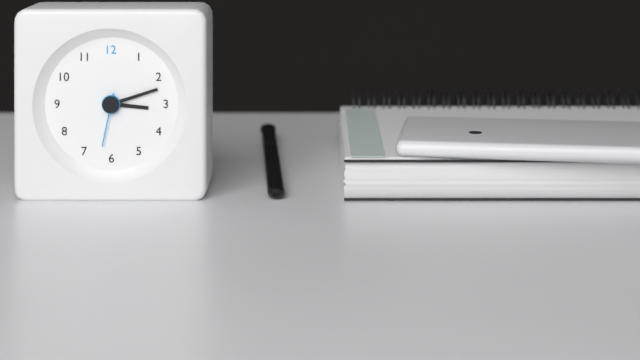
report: 3h12m32s
